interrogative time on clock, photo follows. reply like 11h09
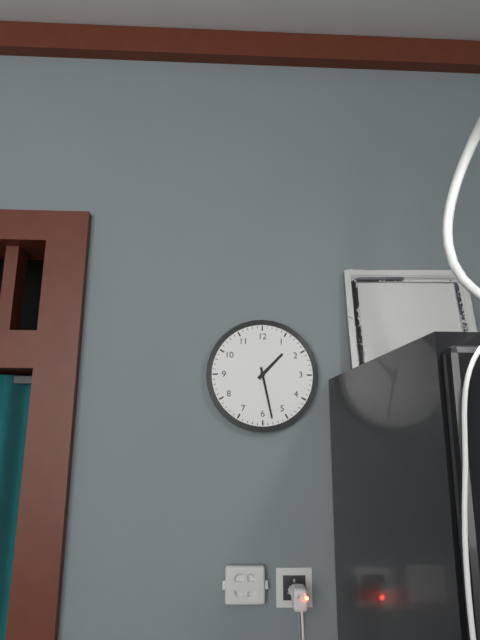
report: 1h28
